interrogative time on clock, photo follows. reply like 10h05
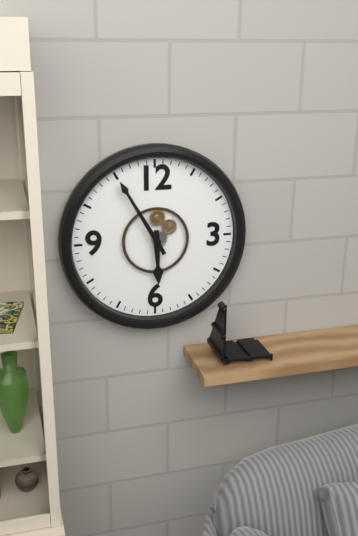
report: 5h55
